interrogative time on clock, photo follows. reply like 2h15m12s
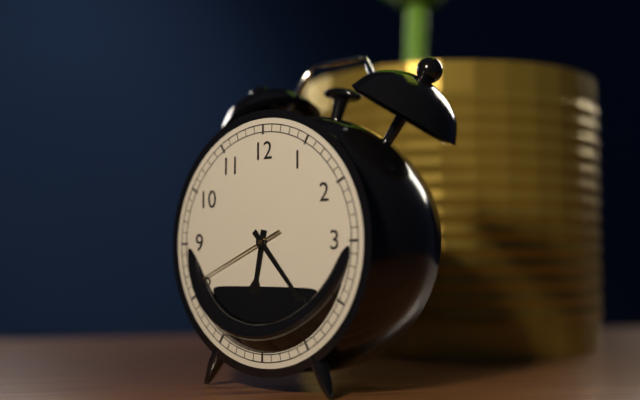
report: 6h23m41s
